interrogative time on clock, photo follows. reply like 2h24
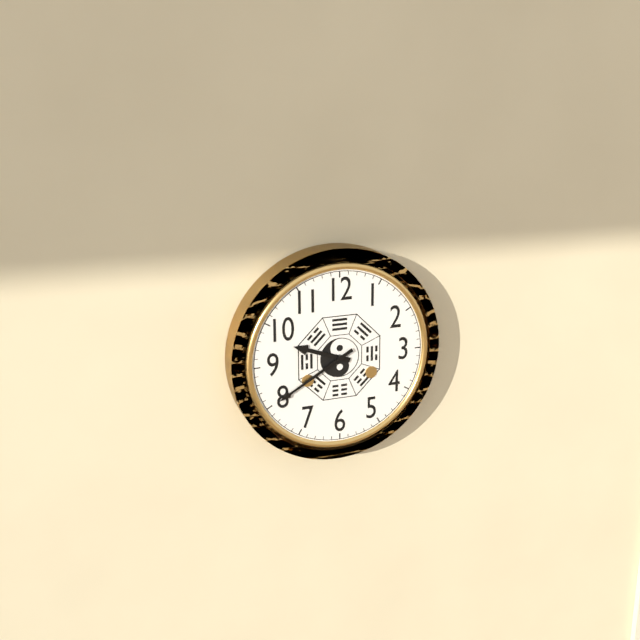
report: 9h40
